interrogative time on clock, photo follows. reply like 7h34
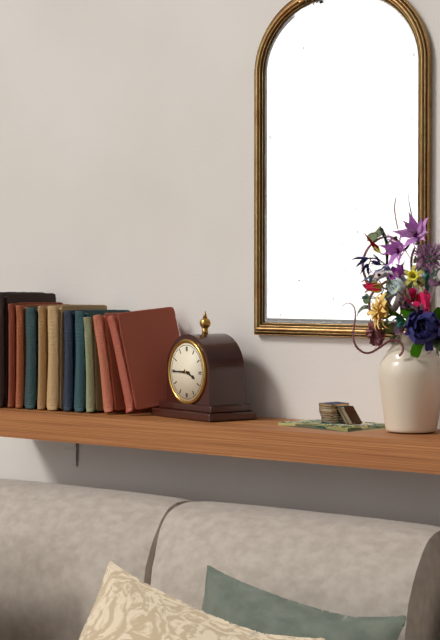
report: 3h45
